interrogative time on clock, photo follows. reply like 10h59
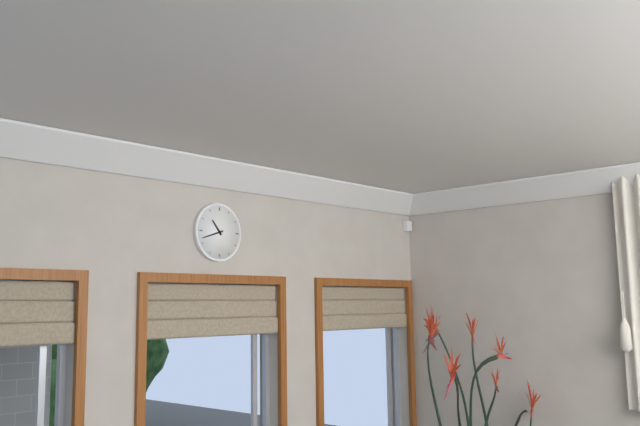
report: 10h42
